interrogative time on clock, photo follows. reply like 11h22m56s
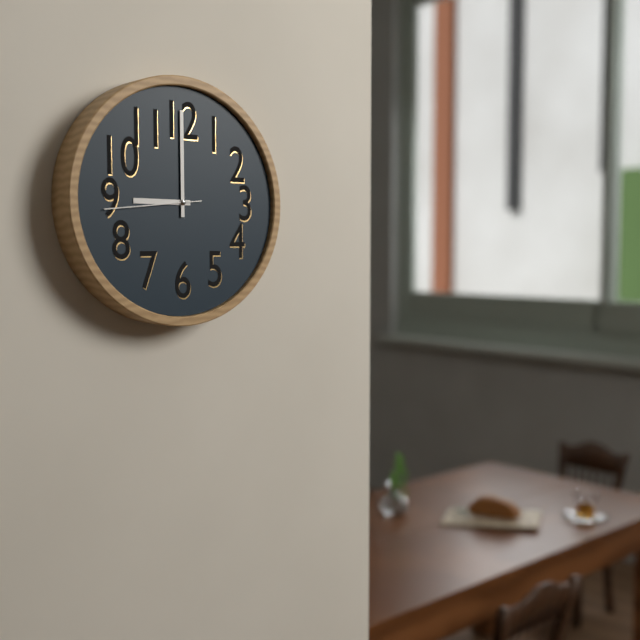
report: 9h00m44s
